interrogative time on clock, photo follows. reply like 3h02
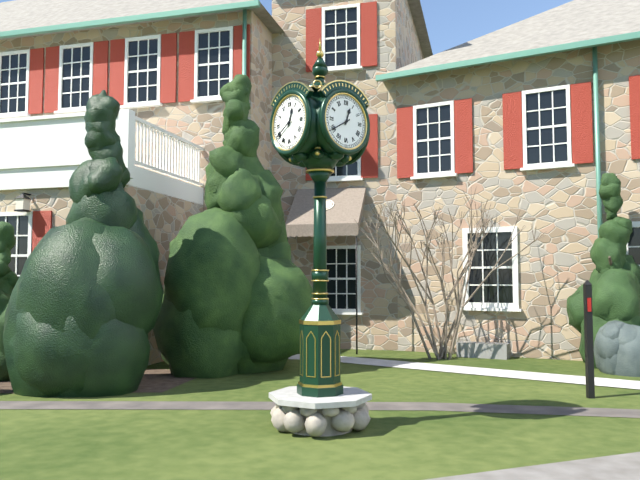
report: 12h40
